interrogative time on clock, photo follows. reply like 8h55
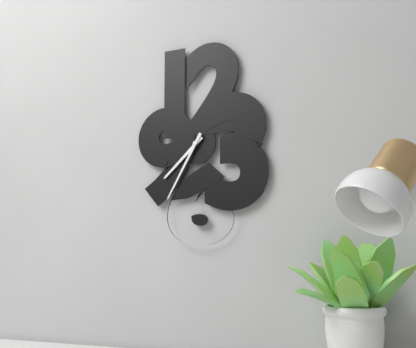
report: 7h35
